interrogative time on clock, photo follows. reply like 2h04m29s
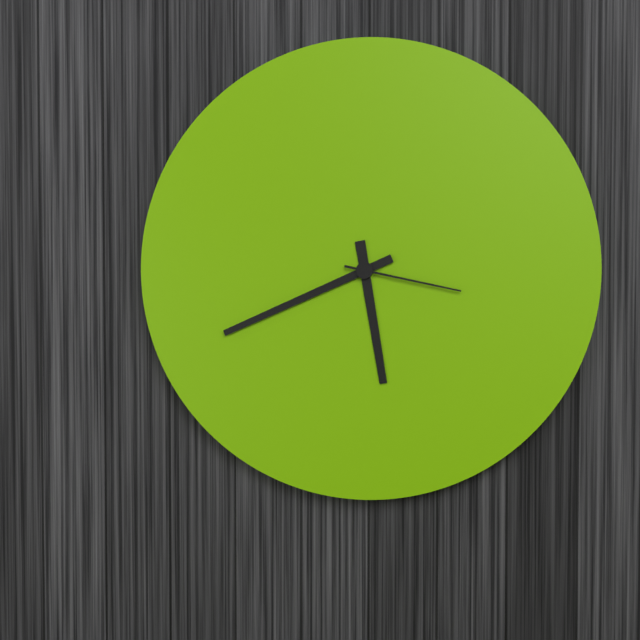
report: 5h41m17s
